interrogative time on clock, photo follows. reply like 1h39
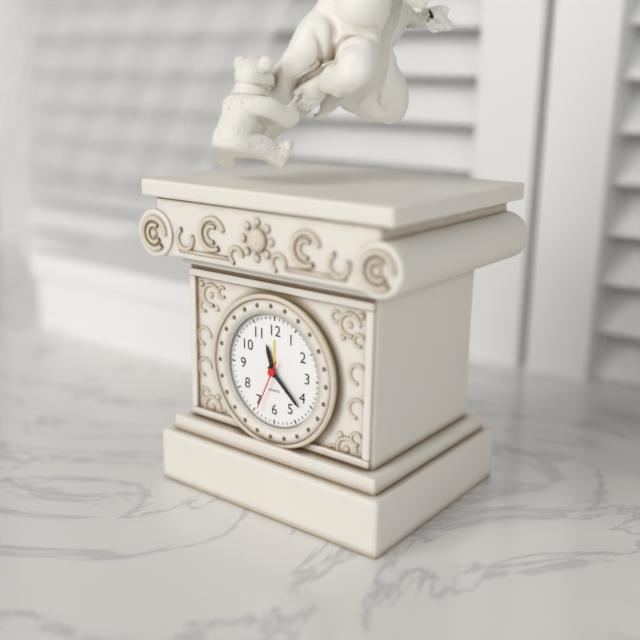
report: 11h22
